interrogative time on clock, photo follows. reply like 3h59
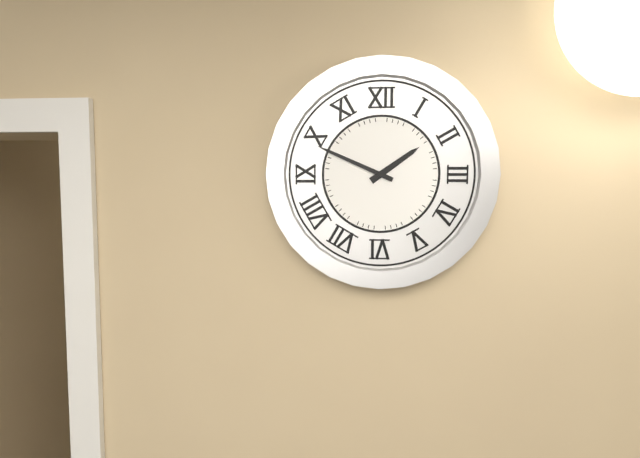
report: 1h49
